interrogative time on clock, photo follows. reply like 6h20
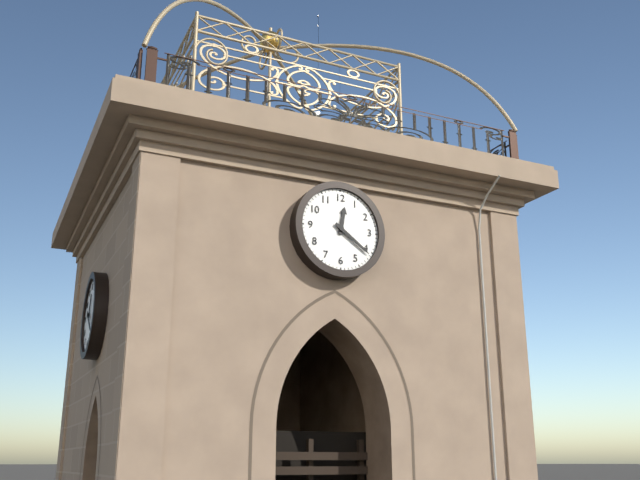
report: 12h21
